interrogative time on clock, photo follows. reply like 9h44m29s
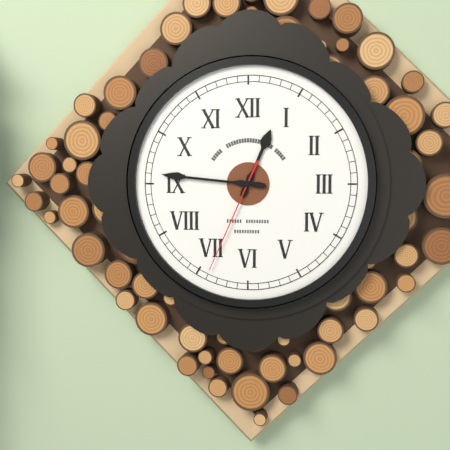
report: 12h46m34s
